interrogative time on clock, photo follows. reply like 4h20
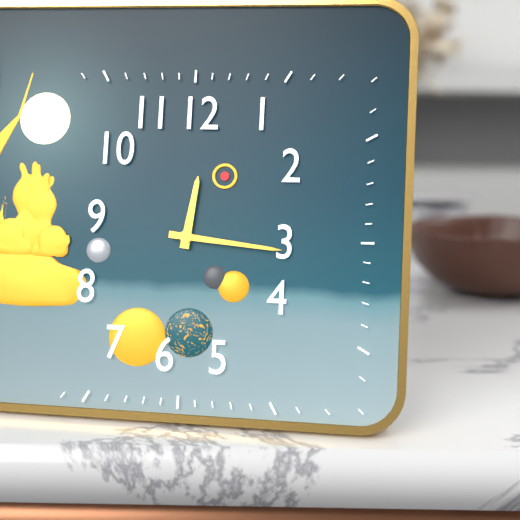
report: 12h16
